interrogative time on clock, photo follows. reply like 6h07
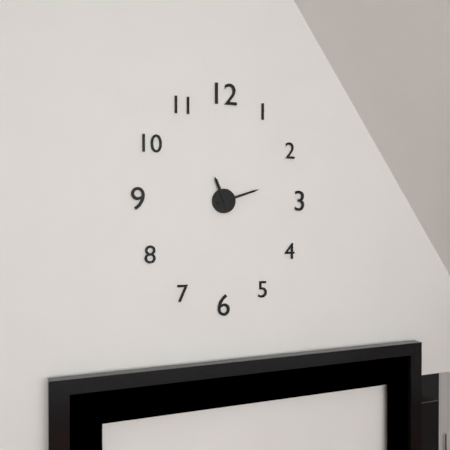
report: 11h12
